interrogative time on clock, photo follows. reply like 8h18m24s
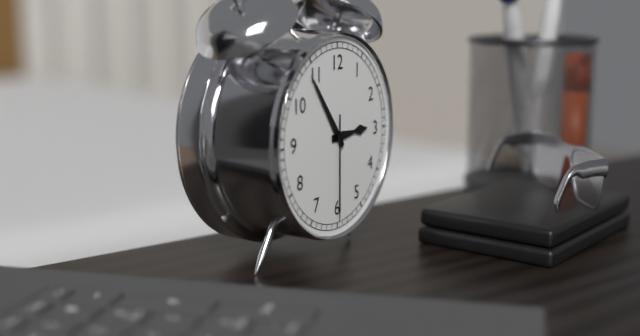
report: 2h54m30s
